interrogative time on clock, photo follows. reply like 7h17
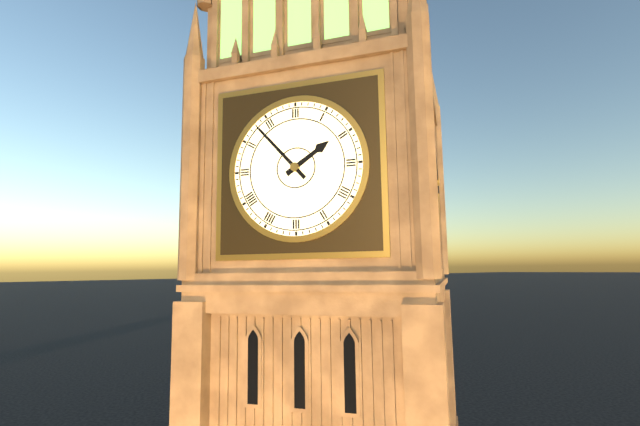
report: 1h53
